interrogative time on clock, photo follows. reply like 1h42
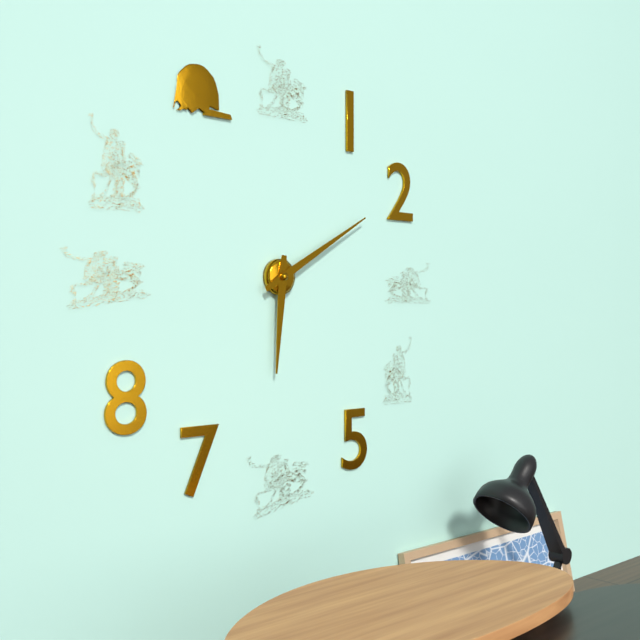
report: 6h10
